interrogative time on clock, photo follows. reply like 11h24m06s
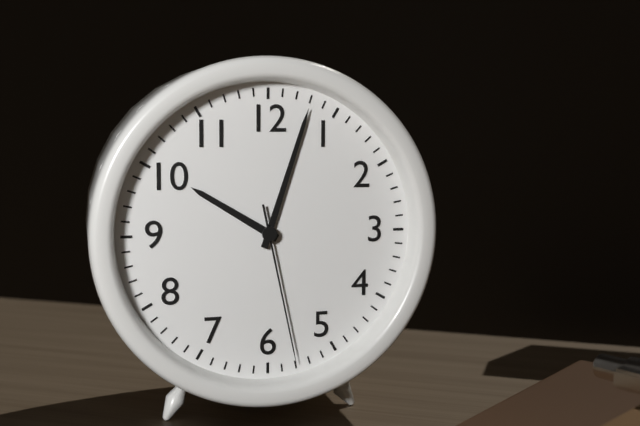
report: 10h03m28s
